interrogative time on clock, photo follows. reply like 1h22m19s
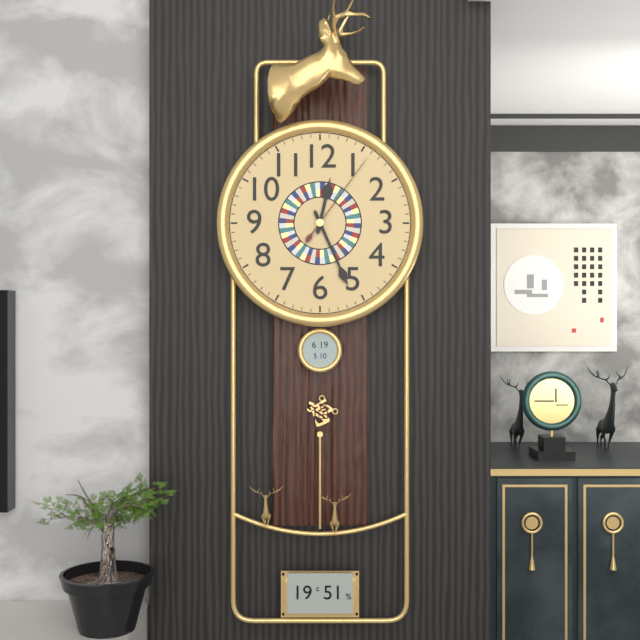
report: 12h26m06s
